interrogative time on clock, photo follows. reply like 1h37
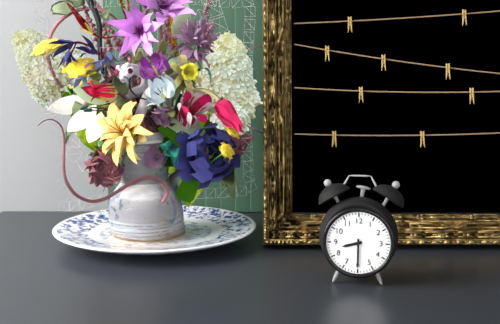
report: 8h30
